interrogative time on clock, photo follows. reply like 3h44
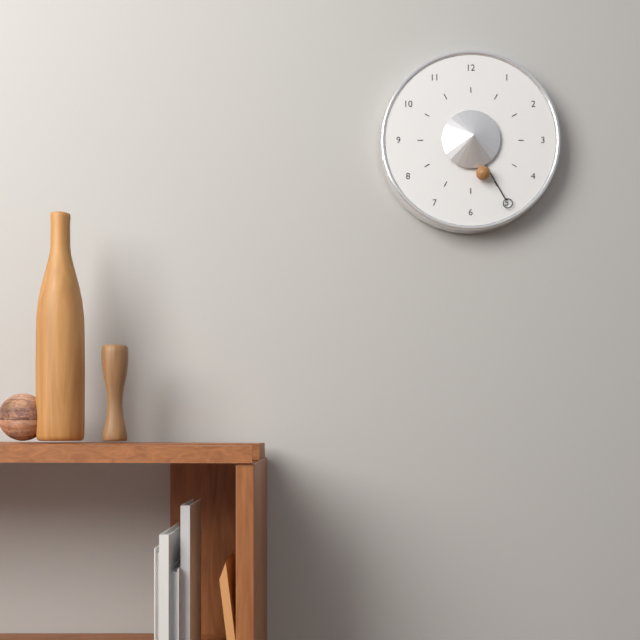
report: 5h25
